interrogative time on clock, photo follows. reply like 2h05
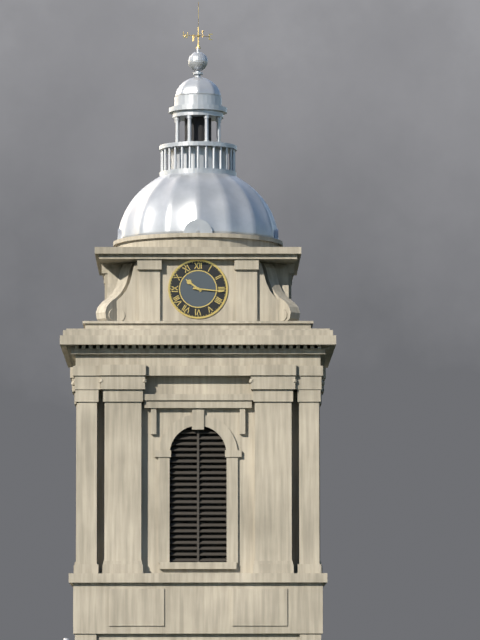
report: 10h16
